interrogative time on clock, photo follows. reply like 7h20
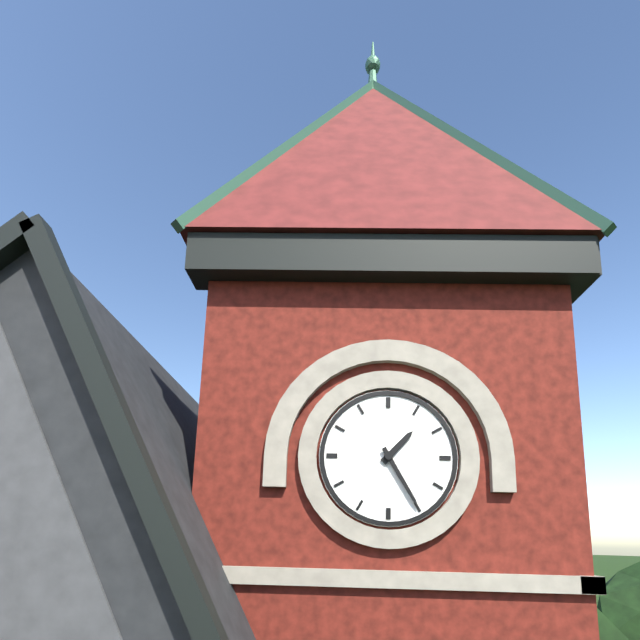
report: 1h25
